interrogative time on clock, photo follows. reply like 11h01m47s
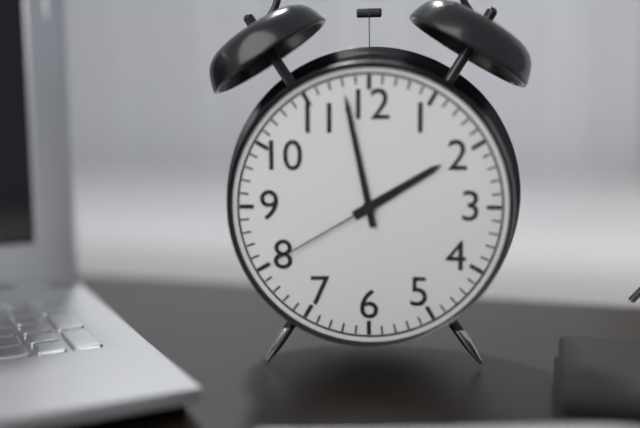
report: 1h58m40s
